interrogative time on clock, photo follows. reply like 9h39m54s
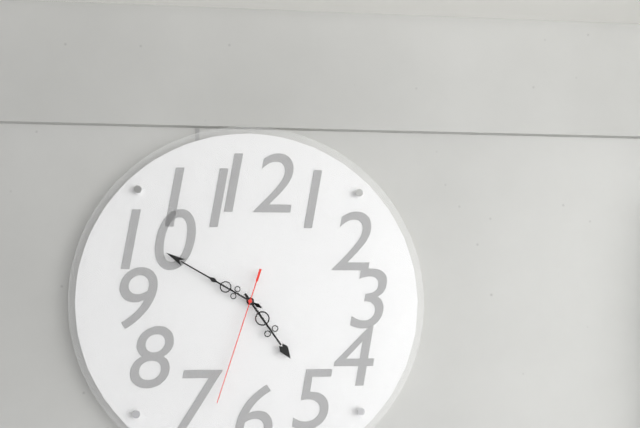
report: 4h50m33s
